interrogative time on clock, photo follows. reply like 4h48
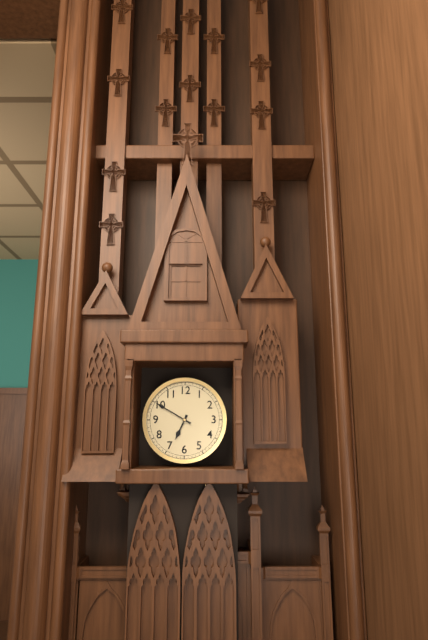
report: 6h50
